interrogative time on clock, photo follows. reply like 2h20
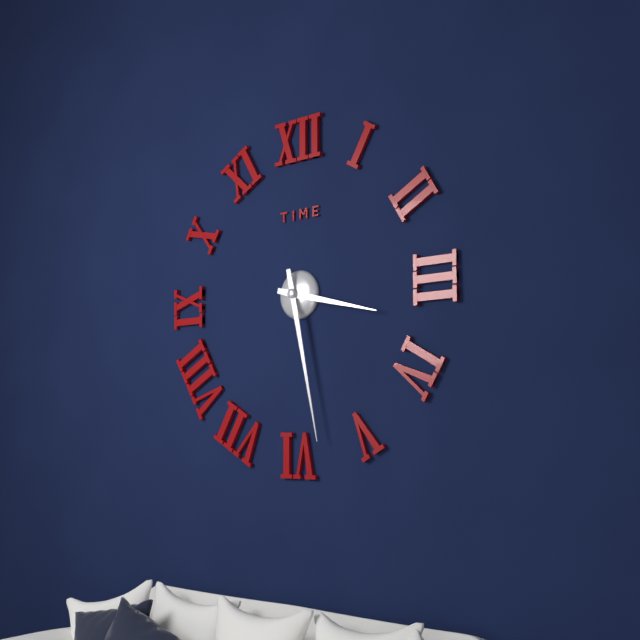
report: 3h28
